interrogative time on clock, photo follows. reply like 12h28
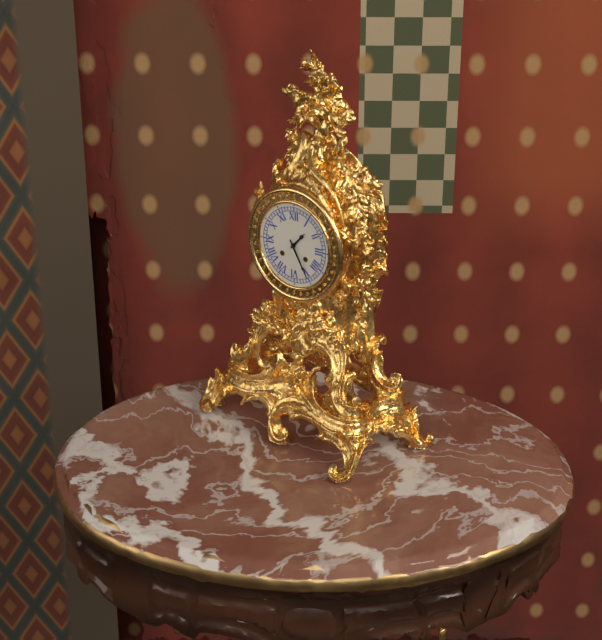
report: 1h25
